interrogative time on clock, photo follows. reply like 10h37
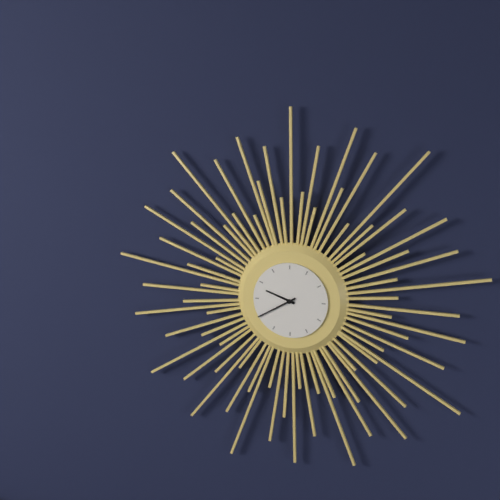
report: 9h40
